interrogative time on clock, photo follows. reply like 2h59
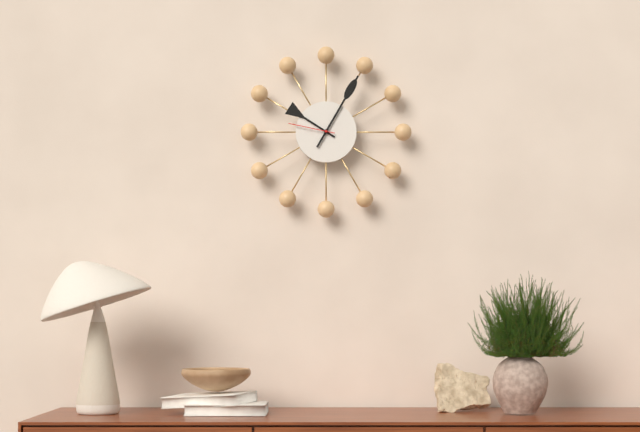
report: 10h05
